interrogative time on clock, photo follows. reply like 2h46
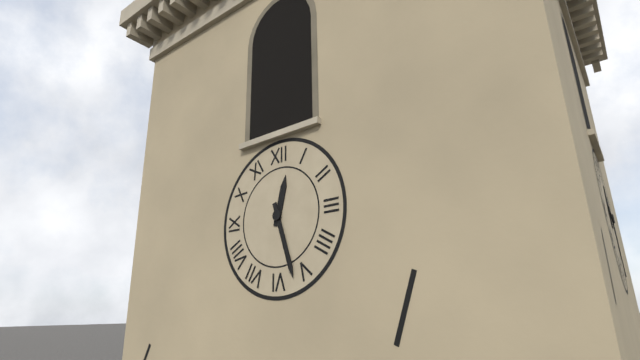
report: 12h27
